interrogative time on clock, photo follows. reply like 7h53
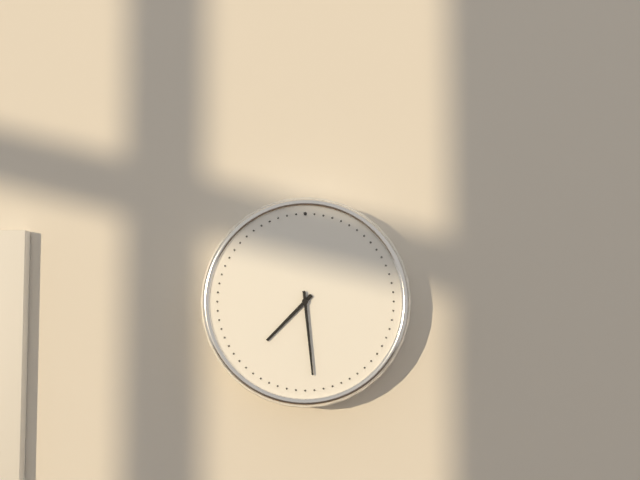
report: 7h29
